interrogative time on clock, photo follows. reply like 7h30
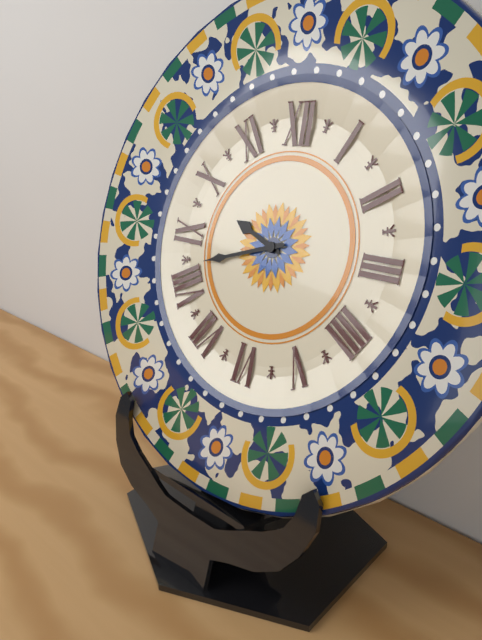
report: 9h42
